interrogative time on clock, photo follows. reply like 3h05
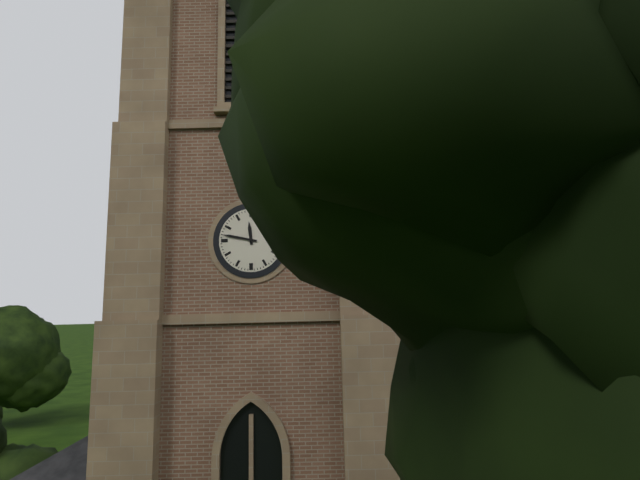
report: 11h47
